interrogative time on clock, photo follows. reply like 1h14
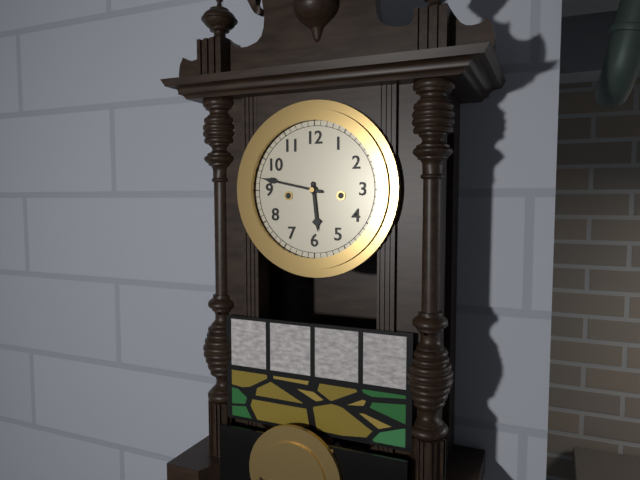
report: 5h47
